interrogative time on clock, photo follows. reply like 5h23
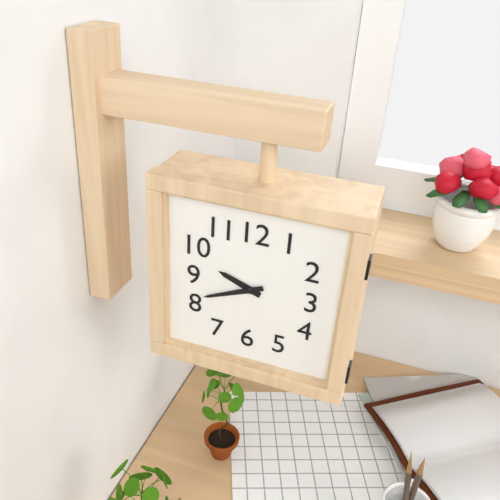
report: 9h41
